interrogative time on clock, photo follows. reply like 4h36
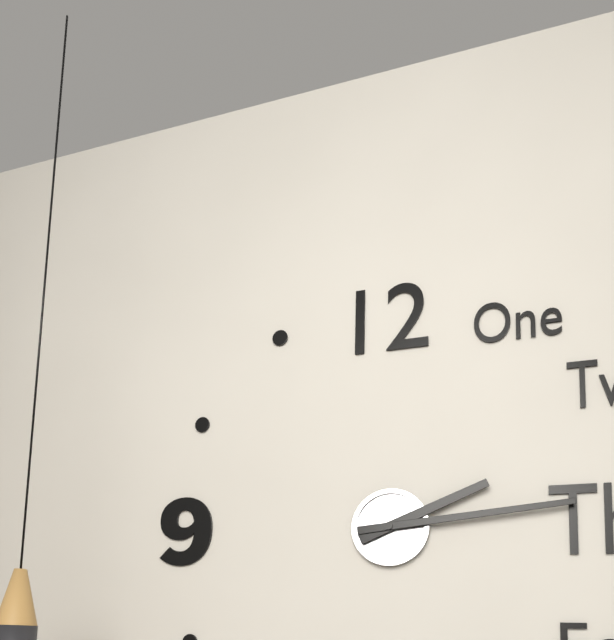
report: 2h14
